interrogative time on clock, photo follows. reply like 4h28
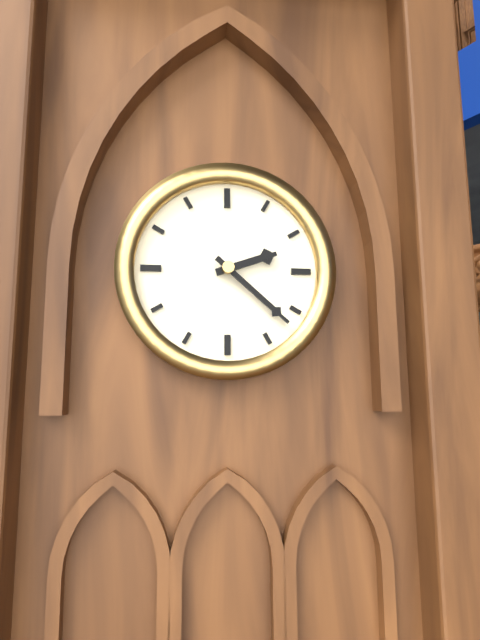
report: 2h22
